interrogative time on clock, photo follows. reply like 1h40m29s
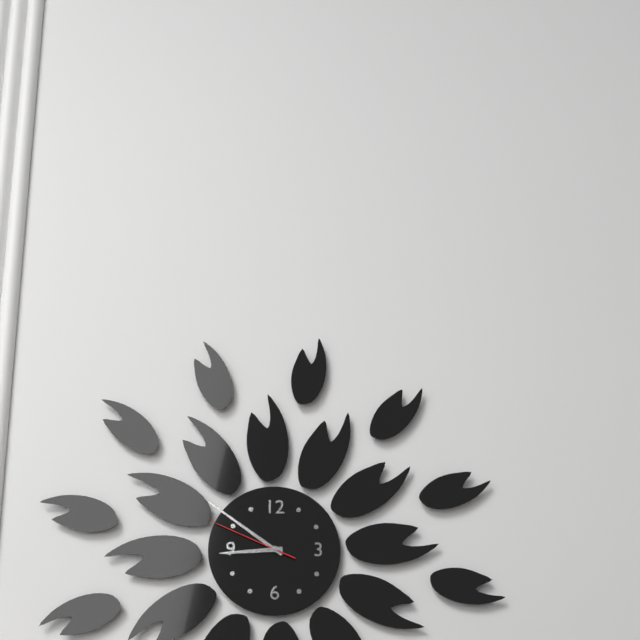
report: 8h51m49s
